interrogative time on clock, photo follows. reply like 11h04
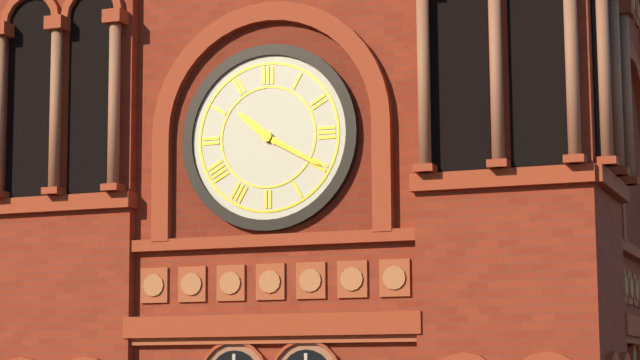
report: 10h20
